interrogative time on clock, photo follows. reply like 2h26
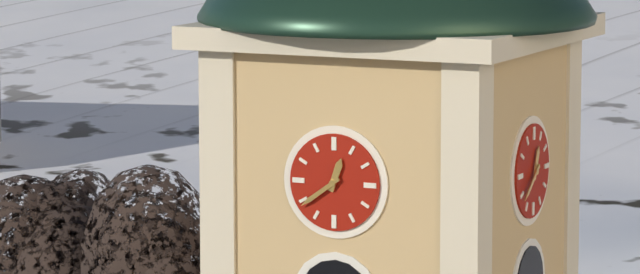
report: 12h39
